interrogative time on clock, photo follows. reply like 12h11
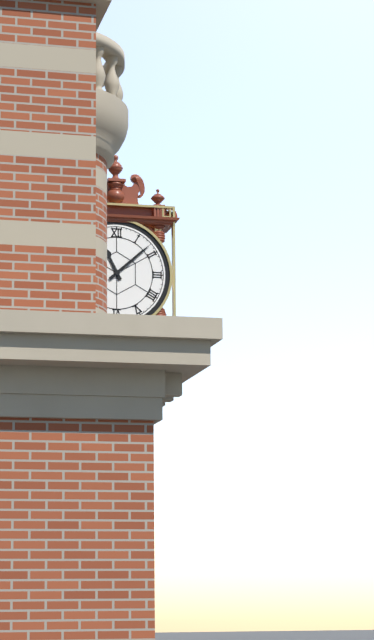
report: 11h08
